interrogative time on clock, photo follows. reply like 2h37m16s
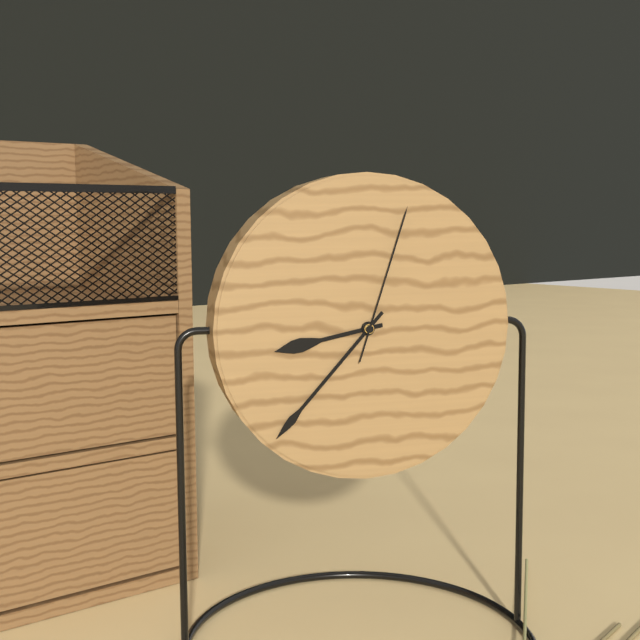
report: 8h37m03s
